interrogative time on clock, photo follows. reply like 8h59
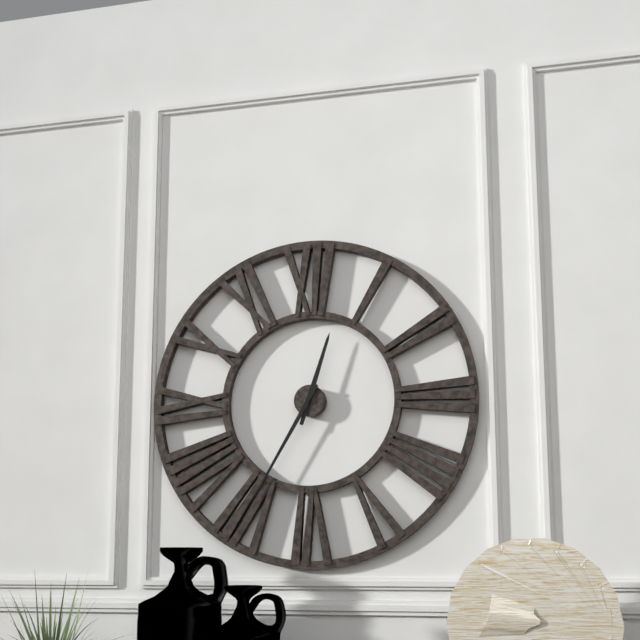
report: 12h35
